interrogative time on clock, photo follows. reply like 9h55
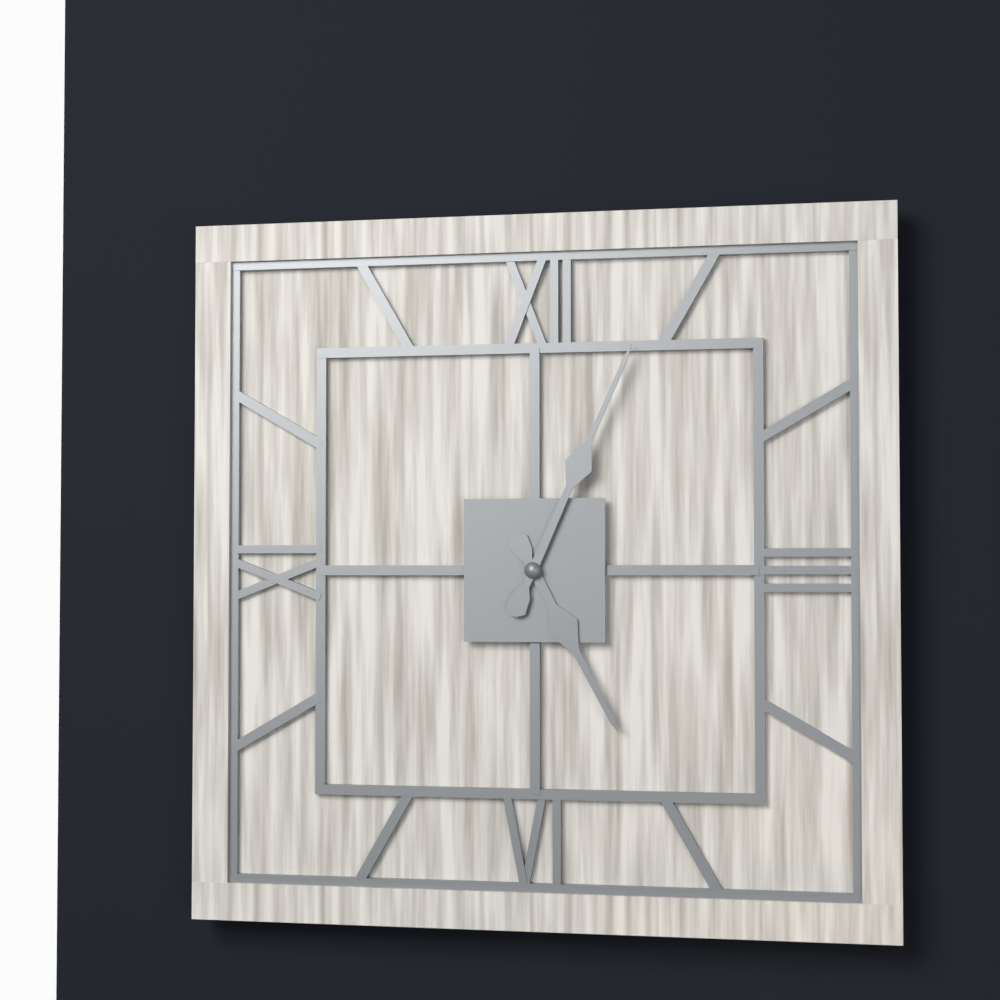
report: 5h04
